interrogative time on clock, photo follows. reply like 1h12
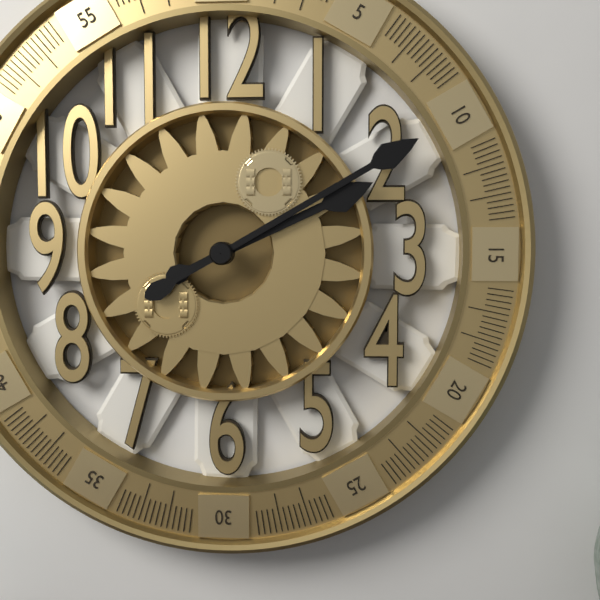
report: 2h10
